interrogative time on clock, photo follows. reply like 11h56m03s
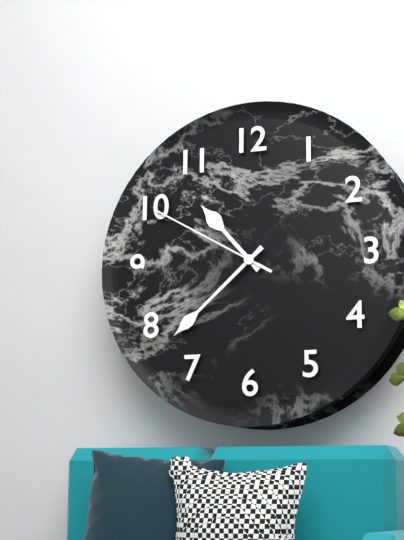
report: 10h38m50s
